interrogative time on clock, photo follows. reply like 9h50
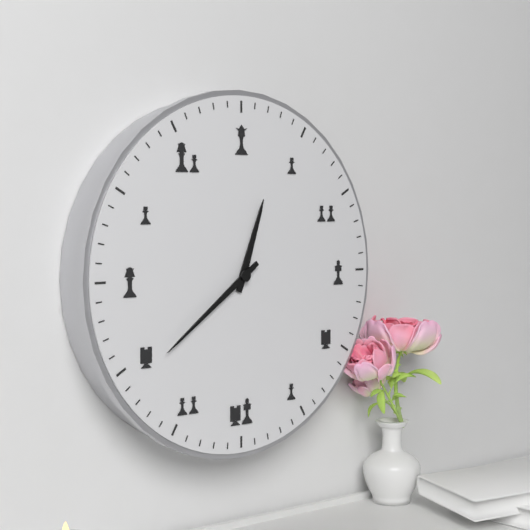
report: 12h39
